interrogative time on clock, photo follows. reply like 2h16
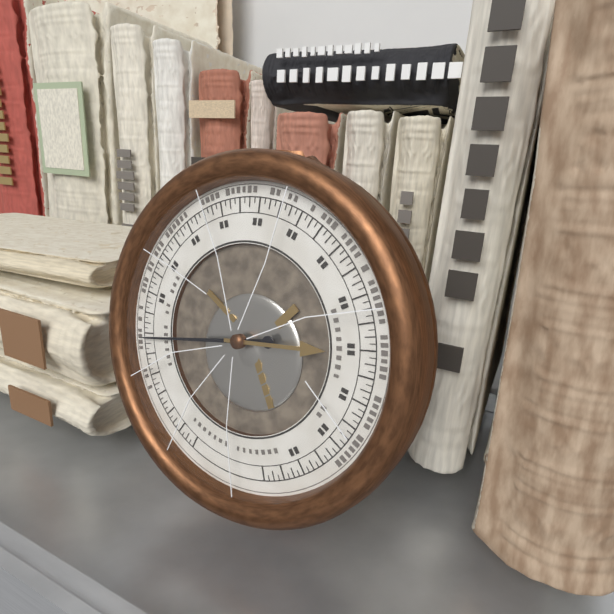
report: 2h43
